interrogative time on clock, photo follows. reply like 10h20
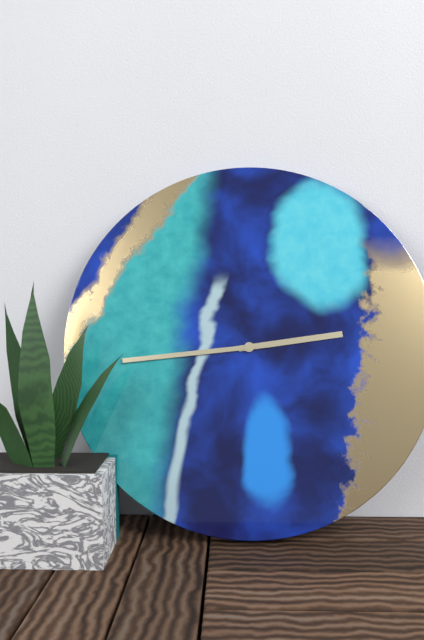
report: 2h44
